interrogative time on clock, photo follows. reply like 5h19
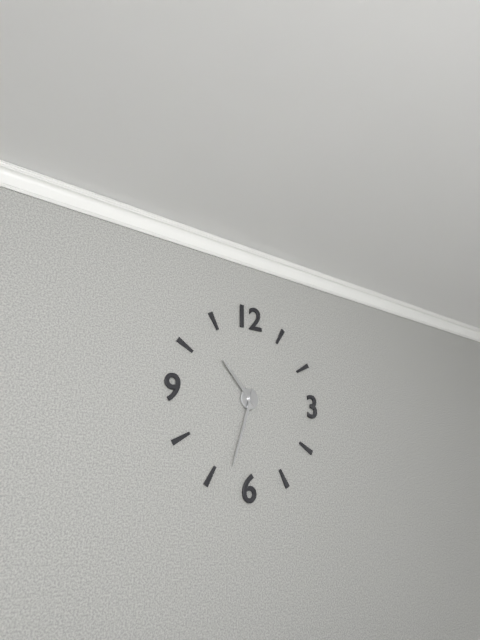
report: 10h33
